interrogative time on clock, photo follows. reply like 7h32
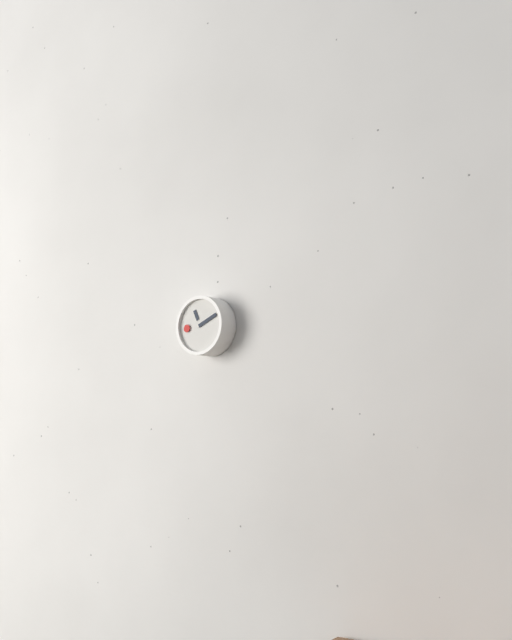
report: 11h11
